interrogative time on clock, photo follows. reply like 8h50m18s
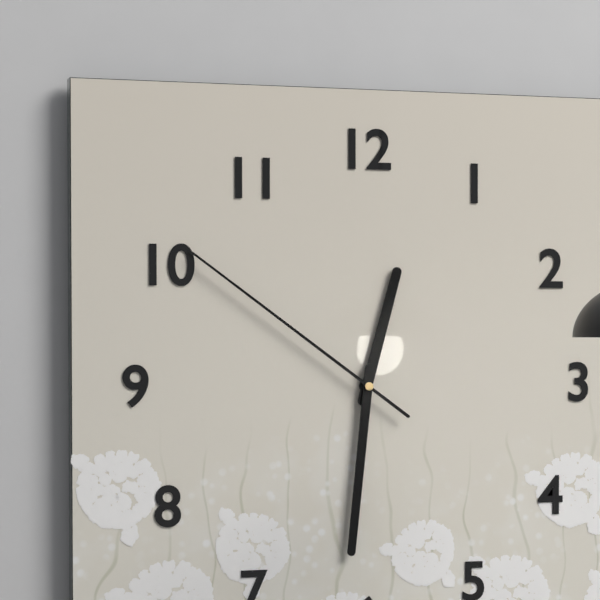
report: 12h31m51s
